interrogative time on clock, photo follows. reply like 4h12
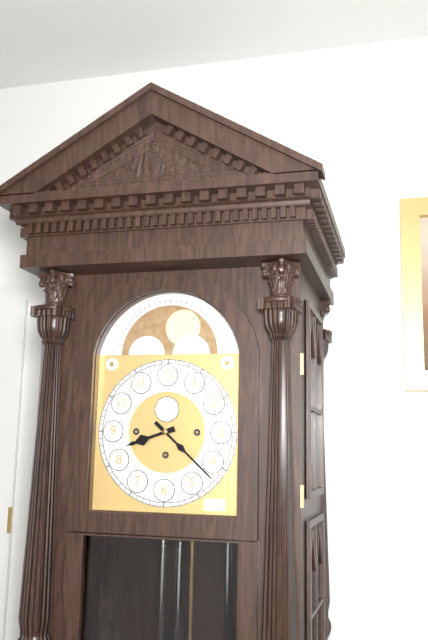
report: 8h22
